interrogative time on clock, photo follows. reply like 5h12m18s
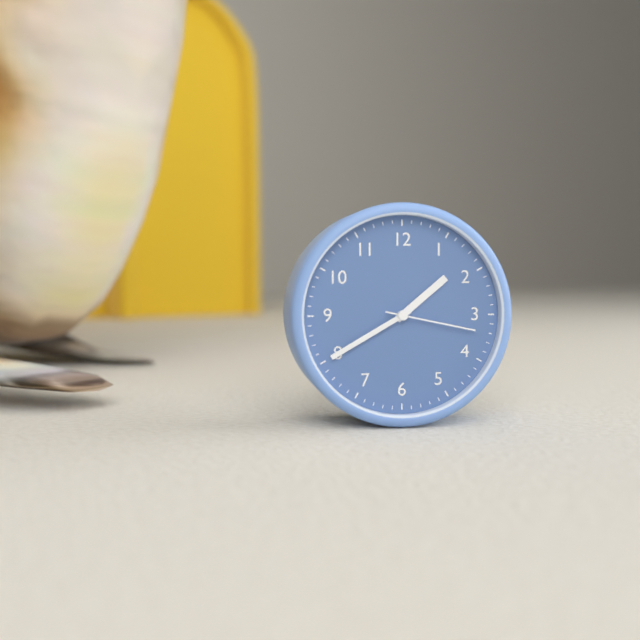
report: 1h40m17s
